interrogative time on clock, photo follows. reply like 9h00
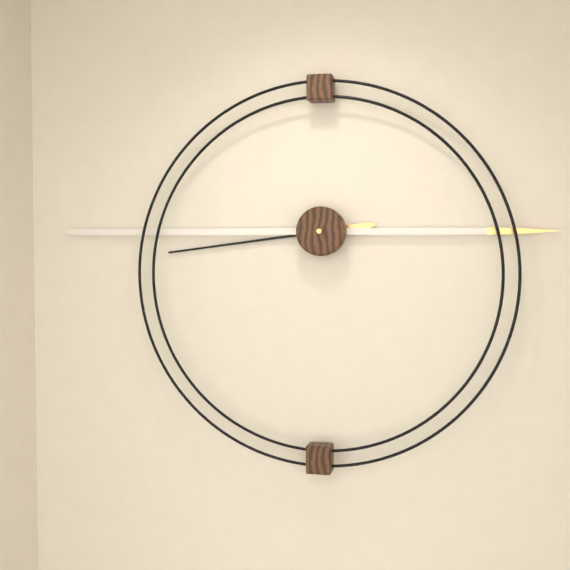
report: 8h45
